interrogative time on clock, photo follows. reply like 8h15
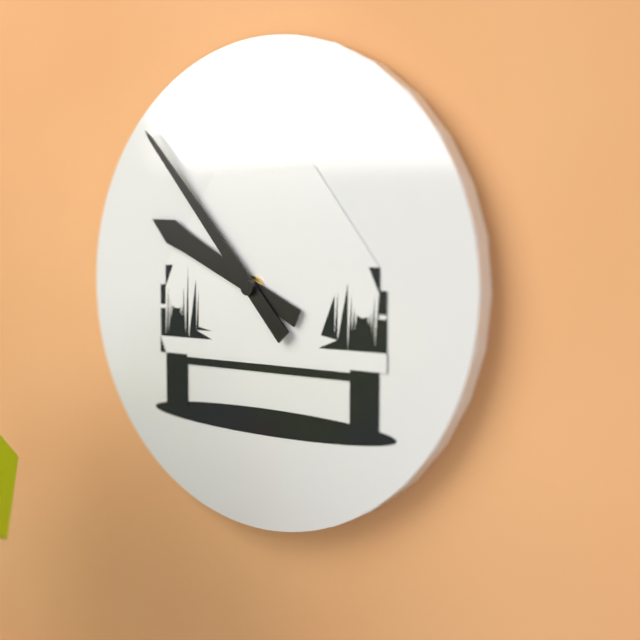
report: 9h53
